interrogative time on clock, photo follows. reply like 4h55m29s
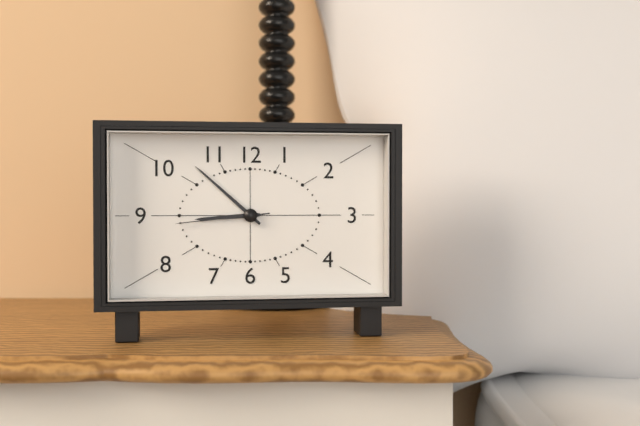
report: 8h52m44s
